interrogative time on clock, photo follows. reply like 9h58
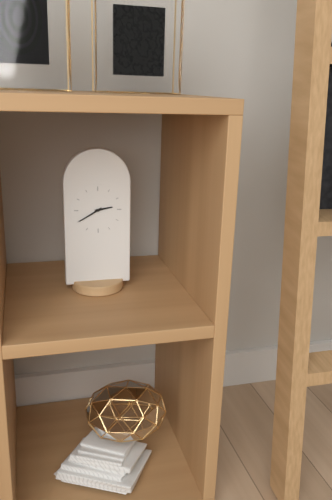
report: 2h40
